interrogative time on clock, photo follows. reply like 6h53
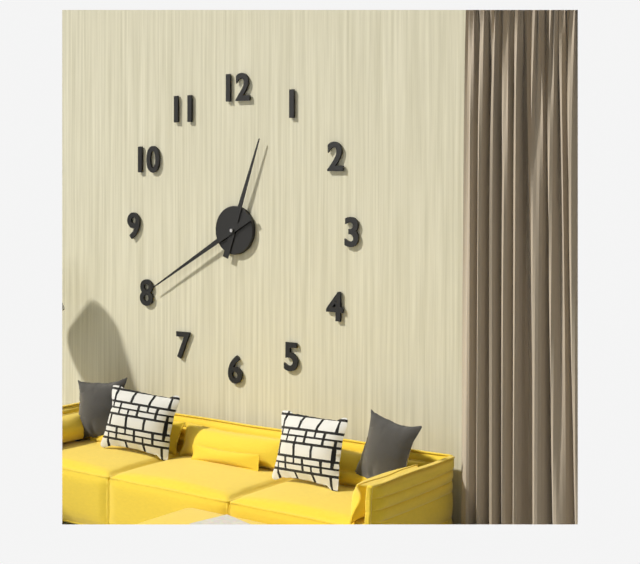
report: 12h40
